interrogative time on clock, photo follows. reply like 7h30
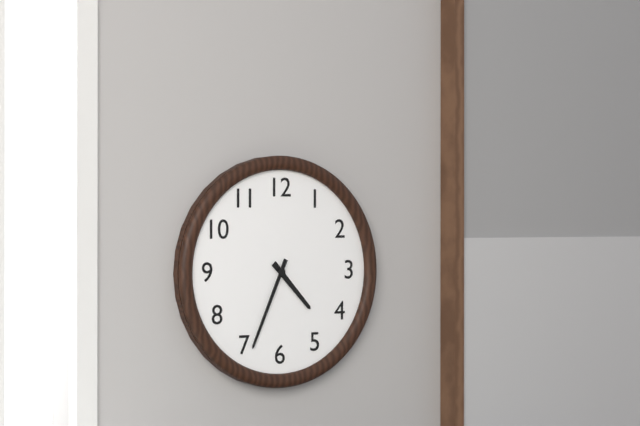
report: 4h34
